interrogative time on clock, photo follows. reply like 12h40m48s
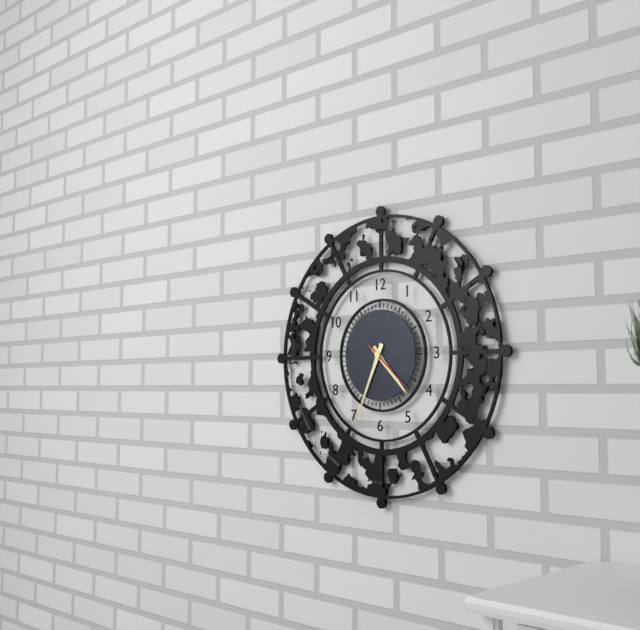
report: 4h34m22s
